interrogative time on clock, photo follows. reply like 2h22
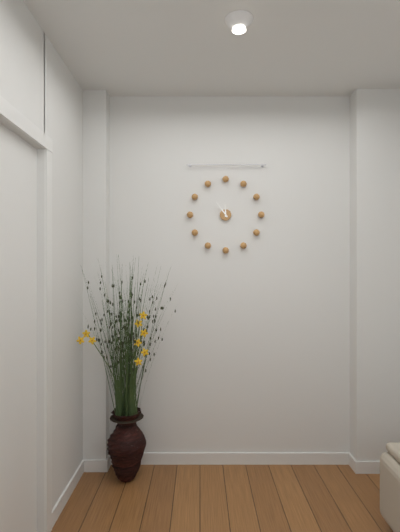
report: 11h54
